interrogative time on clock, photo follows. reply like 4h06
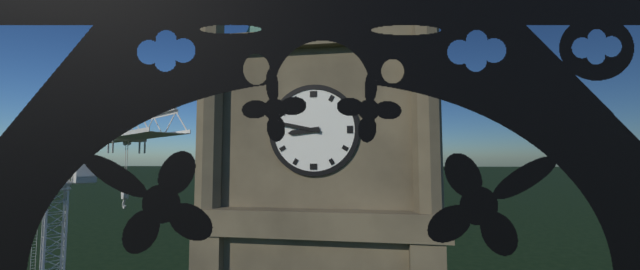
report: 8h47
